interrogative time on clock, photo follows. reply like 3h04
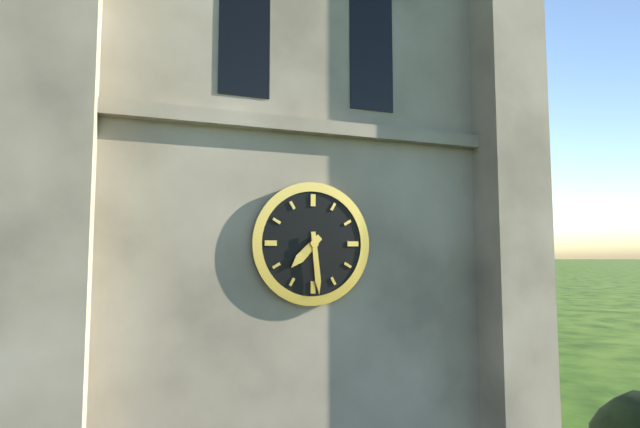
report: 7h29
